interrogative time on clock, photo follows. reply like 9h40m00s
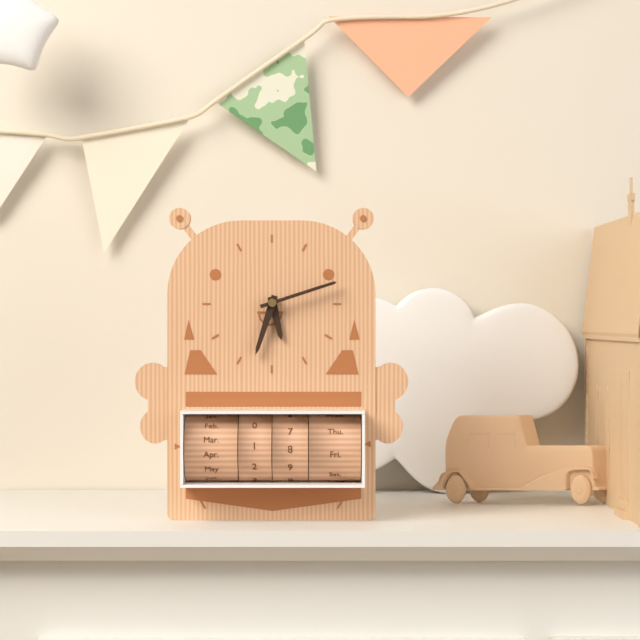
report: 5h33m12s
